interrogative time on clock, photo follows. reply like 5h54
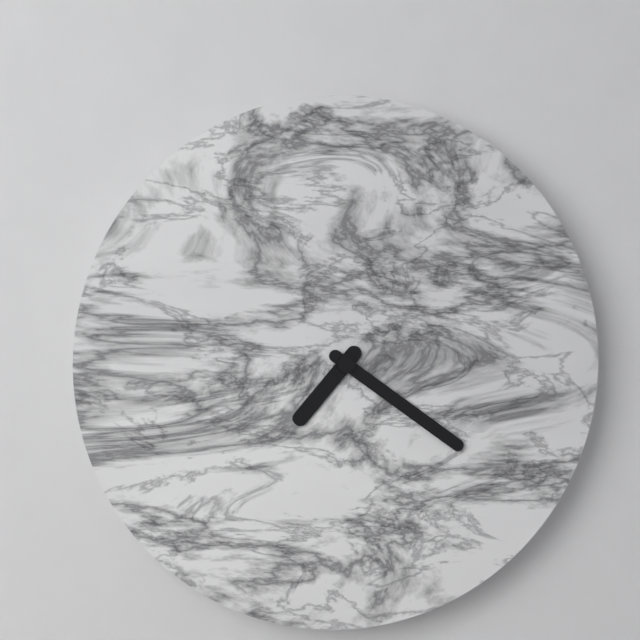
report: 7h21
